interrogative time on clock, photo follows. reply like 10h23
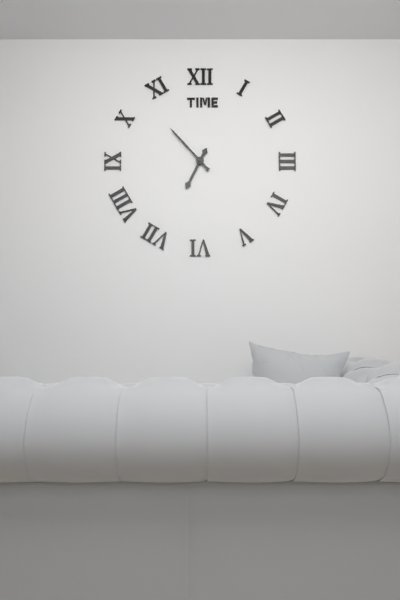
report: 6h53
